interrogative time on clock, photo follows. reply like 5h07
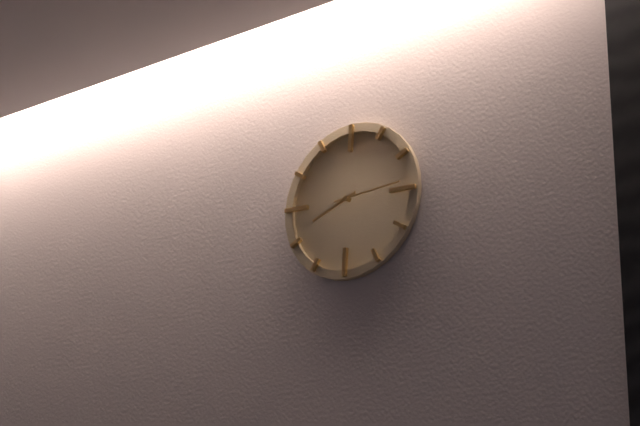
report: 8h14
